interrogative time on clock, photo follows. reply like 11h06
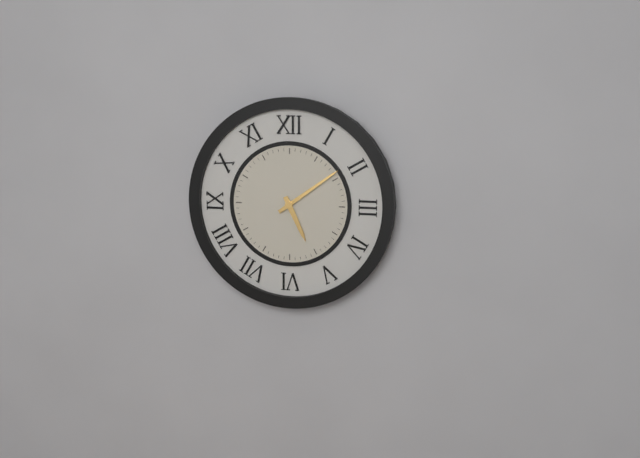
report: 5h09
